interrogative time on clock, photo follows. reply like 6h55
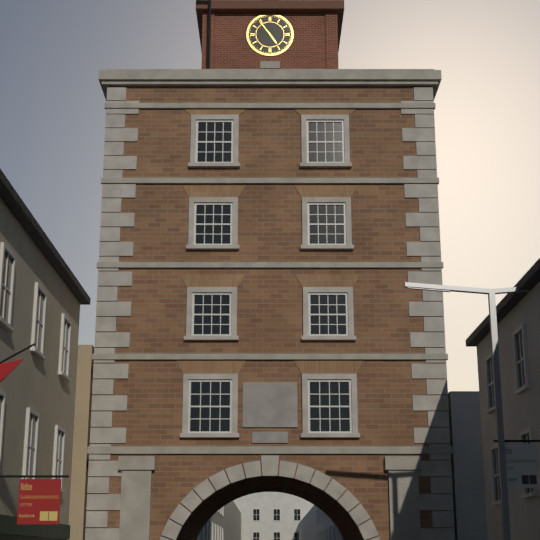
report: 4h54
